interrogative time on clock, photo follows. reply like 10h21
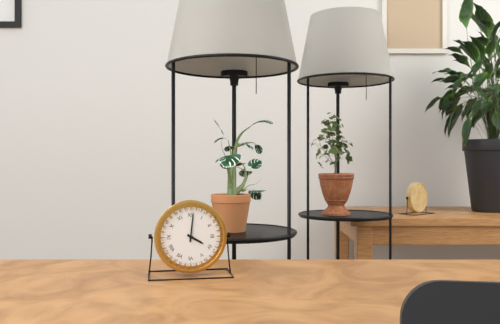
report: 4h01
